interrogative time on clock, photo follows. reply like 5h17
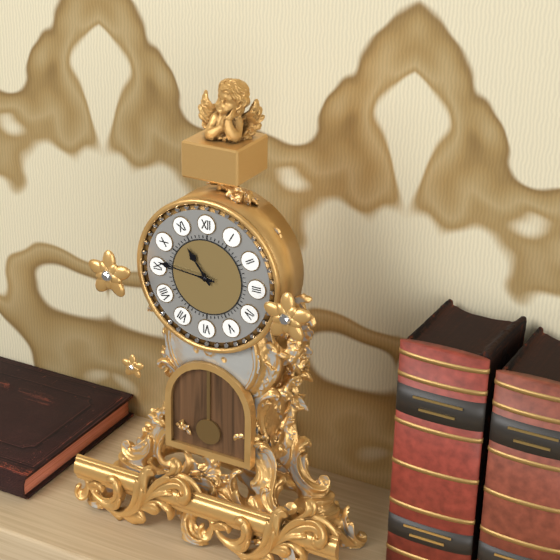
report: 10h46
